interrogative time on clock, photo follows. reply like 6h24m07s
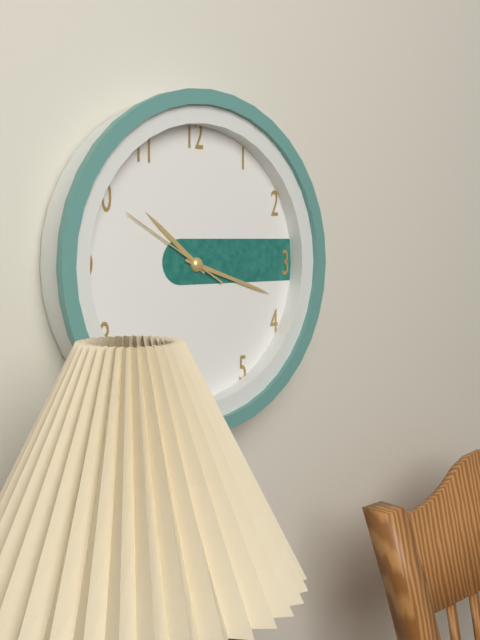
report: 10h18m50s
